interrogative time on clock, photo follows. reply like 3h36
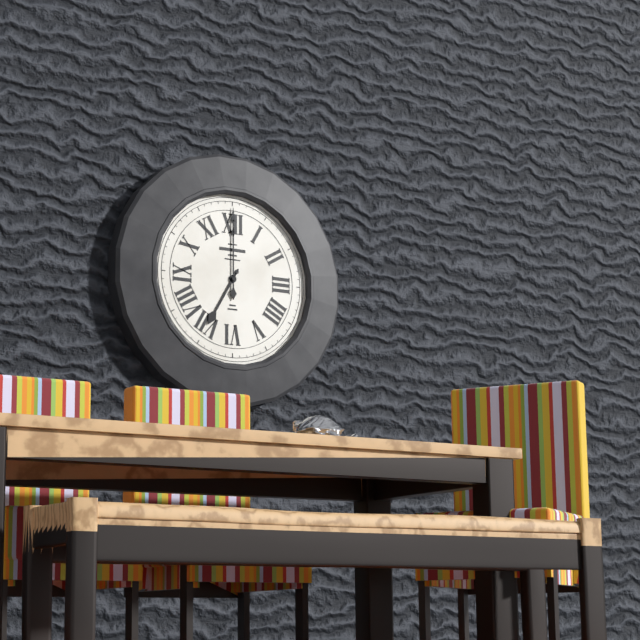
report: 7h00
